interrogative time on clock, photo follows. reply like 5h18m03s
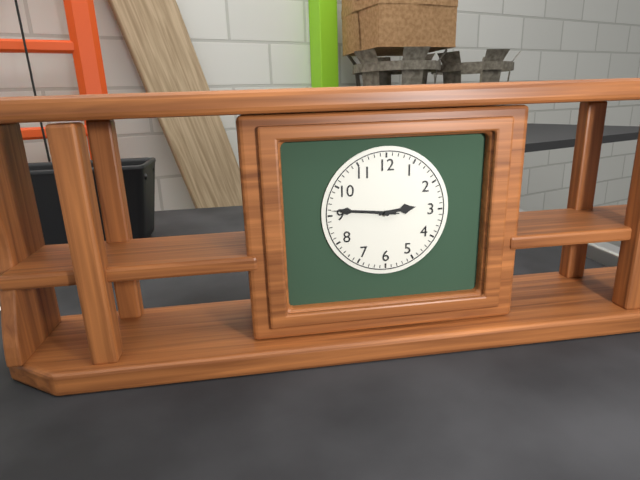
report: 2h46m46s
